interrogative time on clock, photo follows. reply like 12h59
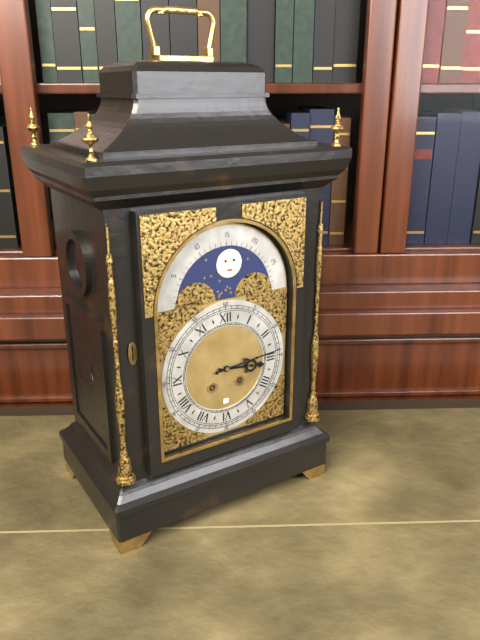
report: 3h14
